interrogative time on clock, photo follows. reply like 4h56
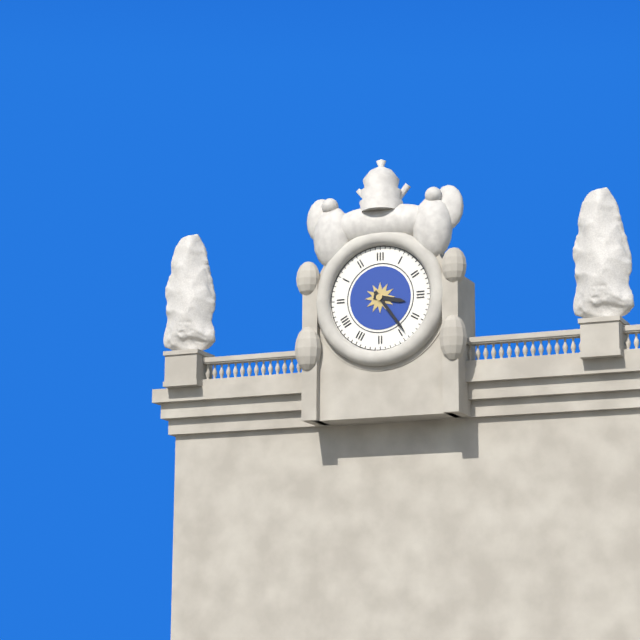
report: 3h24
